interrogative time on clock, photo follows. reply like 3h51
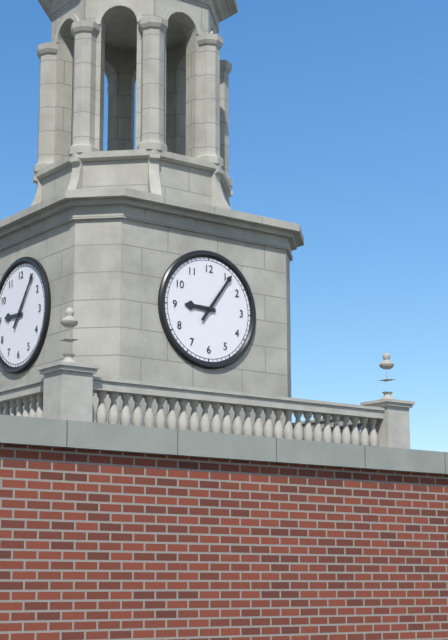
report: 9h06
